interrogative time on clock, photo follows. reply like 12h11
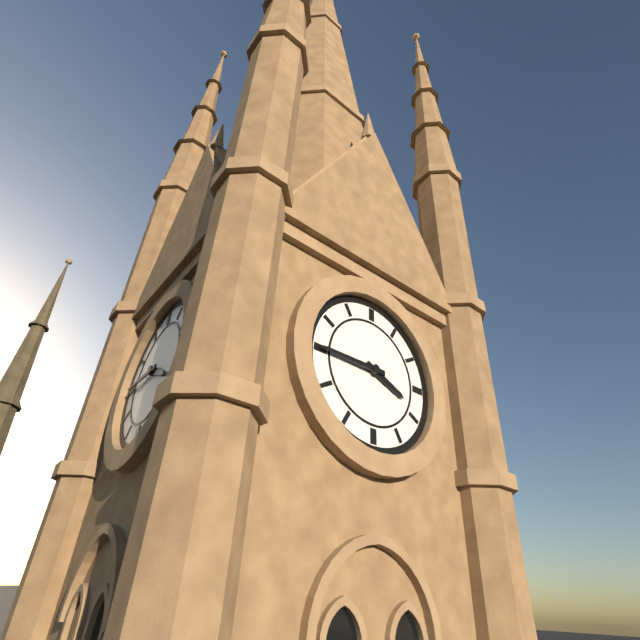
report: 3h45
